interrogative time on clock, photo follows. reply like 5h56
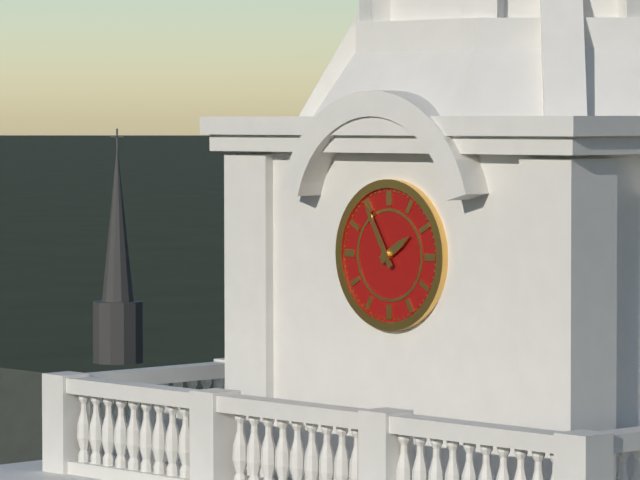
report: 1h55
